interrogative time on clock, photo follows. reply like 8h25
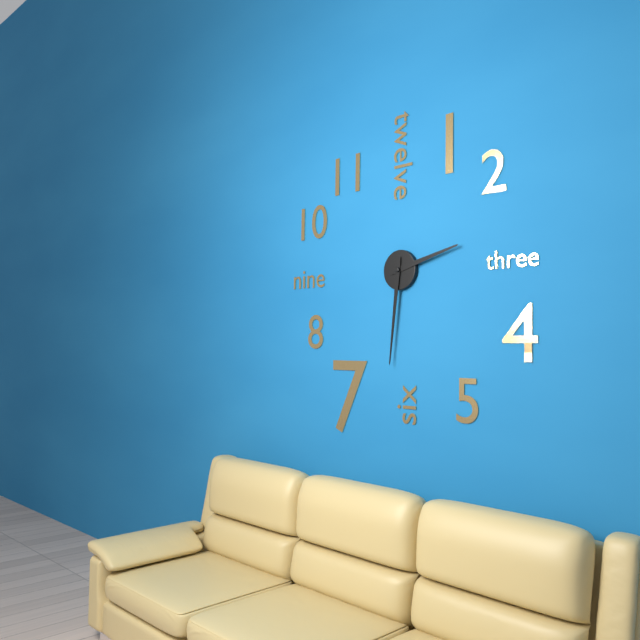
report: 2h31
